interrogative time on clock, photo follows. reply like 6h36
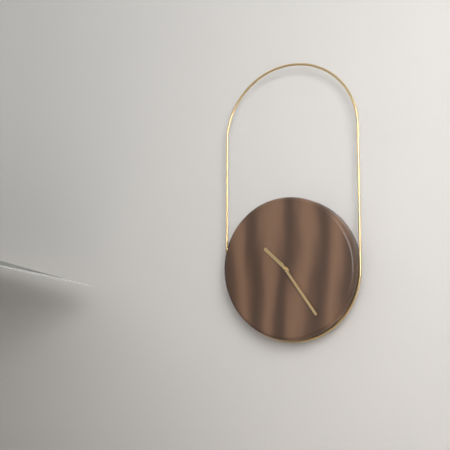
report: 10h24
